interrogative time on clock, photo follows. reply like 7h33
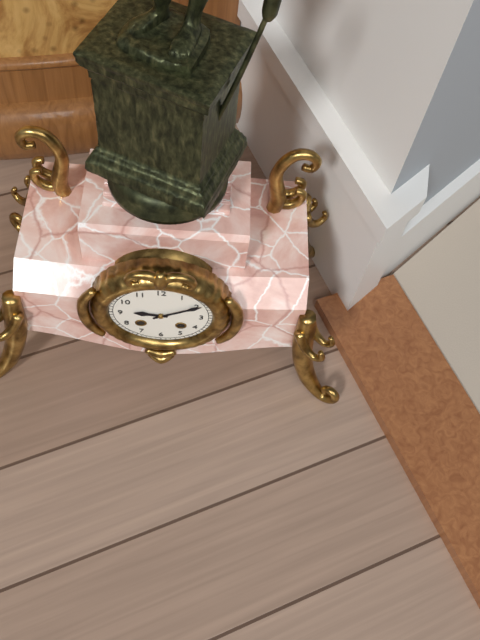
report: 9h10
